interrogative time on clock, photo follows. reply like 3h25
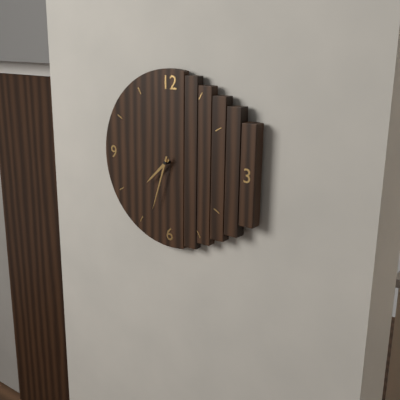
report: 7h33
